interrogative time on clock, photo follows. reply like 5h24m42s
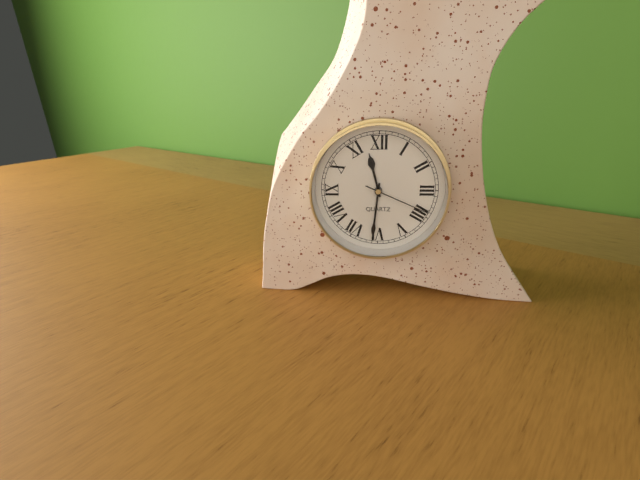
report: 11h31m19s
